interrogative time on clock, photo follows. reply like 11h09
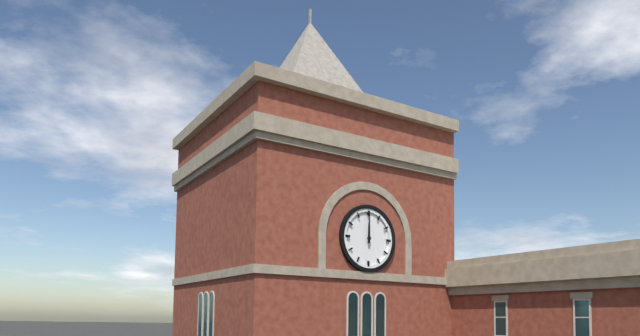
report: 12h00
